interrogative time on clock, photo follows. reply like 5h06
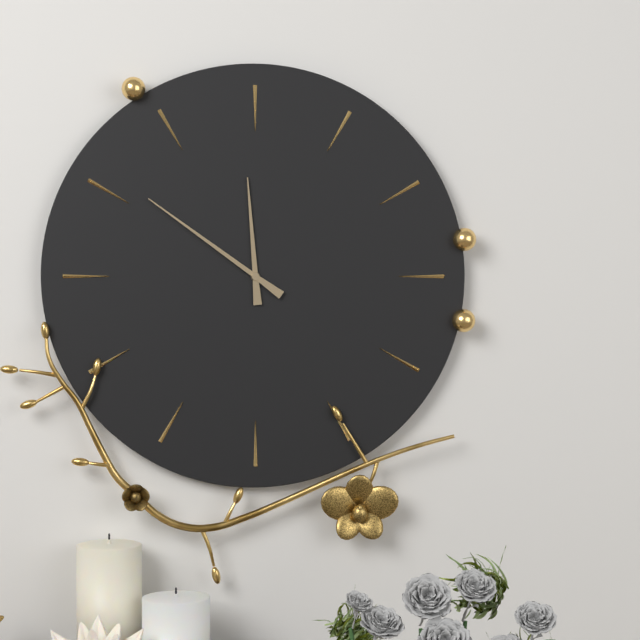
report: 11h51
